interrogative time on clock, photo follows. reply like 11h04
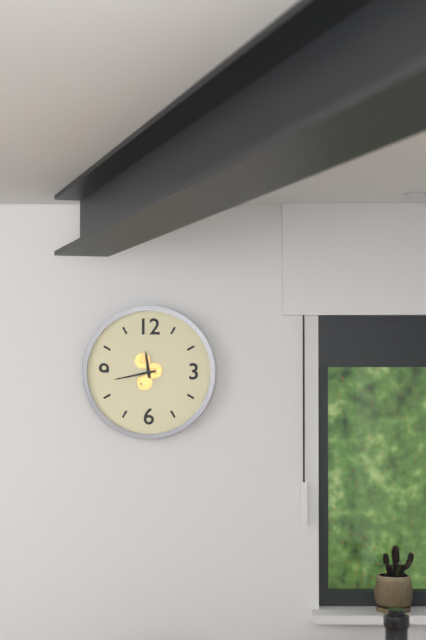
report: 11h43
